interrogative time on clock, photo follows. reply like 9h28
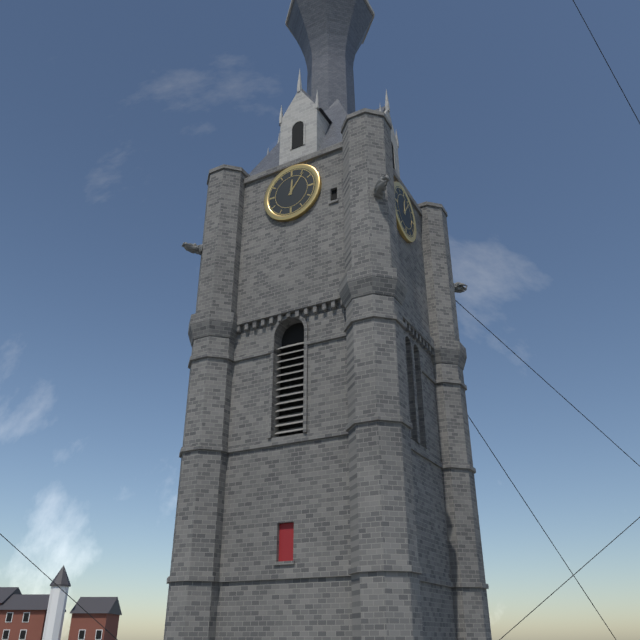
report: 12h06
